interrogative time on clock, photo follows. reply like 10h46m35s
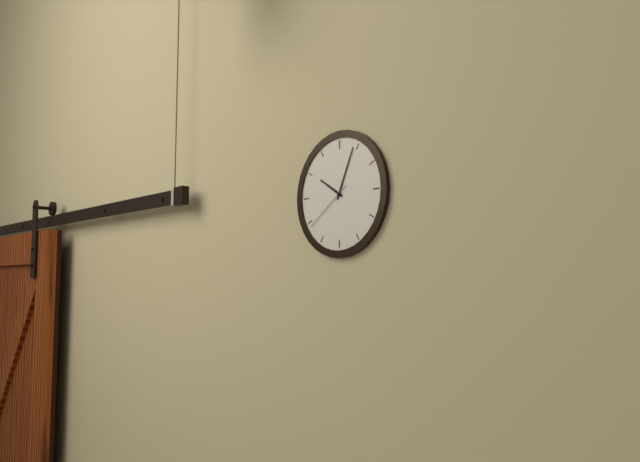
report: 10h04m39s
